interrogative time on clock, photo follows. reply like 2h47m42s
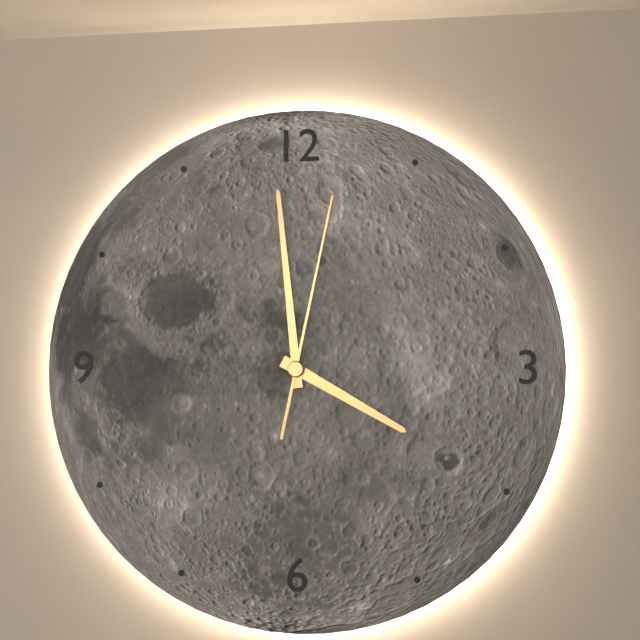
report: 3h59m02s
